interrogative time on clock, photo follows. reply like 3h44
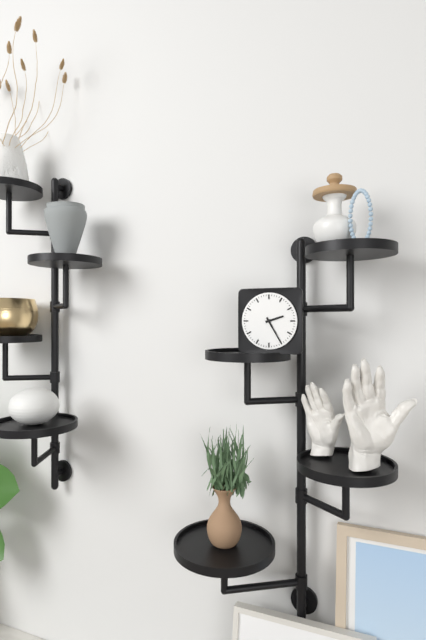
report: 2h25
